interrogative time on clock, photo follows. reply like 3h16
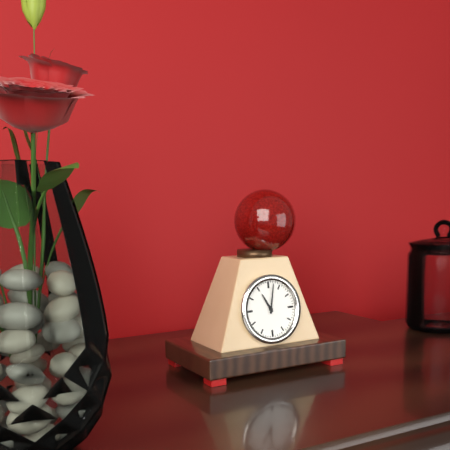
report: 11h02
